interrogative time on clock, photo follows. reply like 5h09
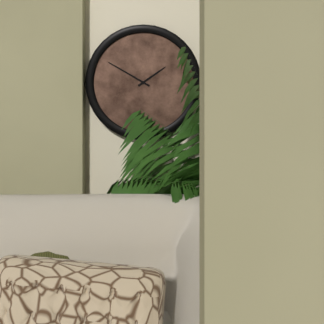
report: 1h50
